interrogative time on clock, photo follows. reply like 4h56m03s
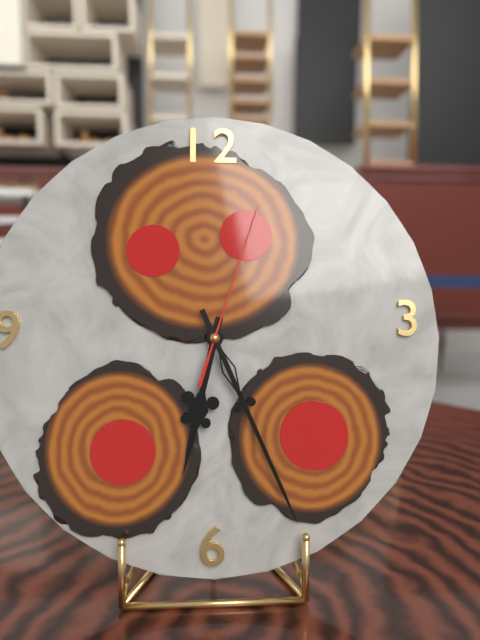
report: 6h26m03s
